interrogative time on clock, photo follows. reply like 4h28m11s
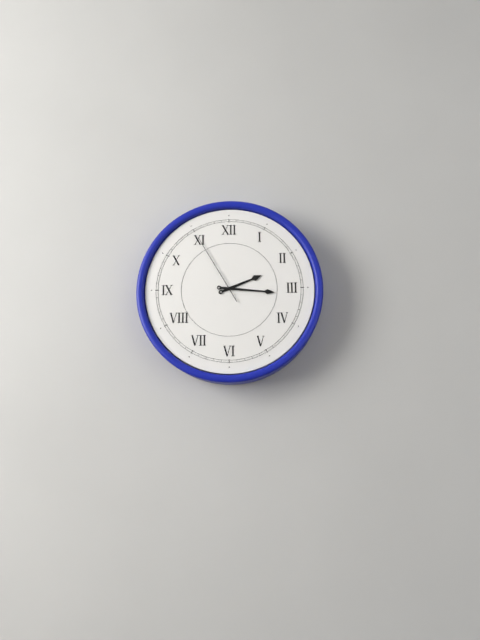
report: 2h16m55s
